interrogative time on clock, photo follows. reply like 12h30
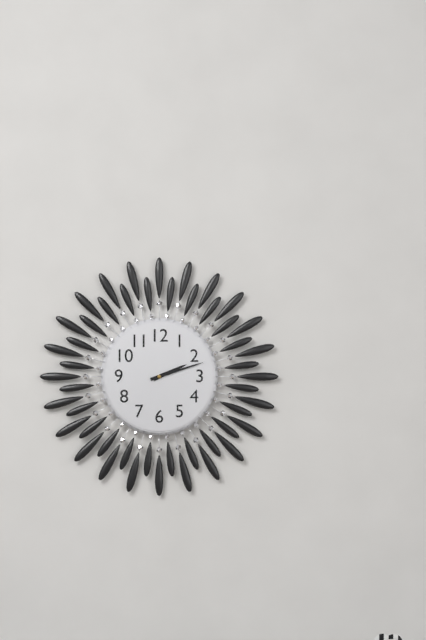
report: 2h12
